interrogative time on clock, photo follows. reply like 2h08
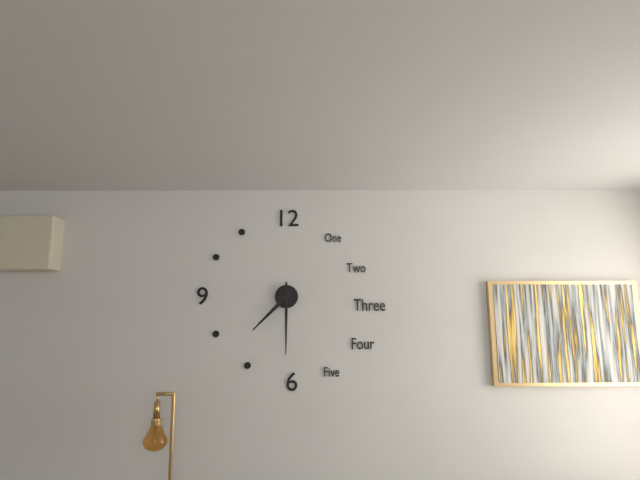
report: 7h30
